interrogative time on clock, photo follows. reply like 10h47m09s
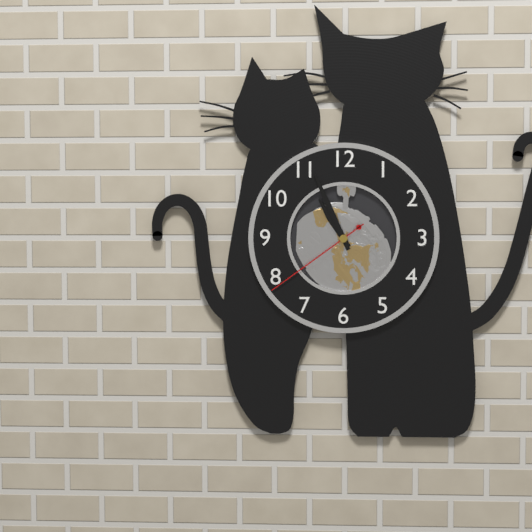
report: 10h56m39s
